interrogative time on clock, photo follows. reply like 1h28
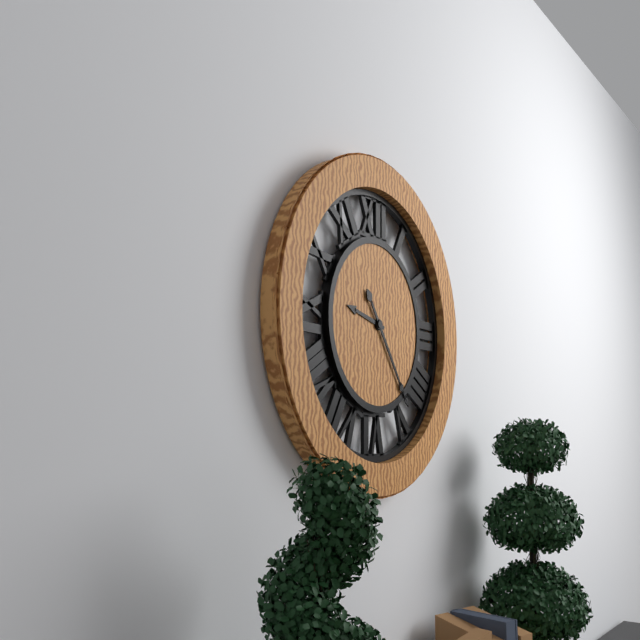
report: 9h24
